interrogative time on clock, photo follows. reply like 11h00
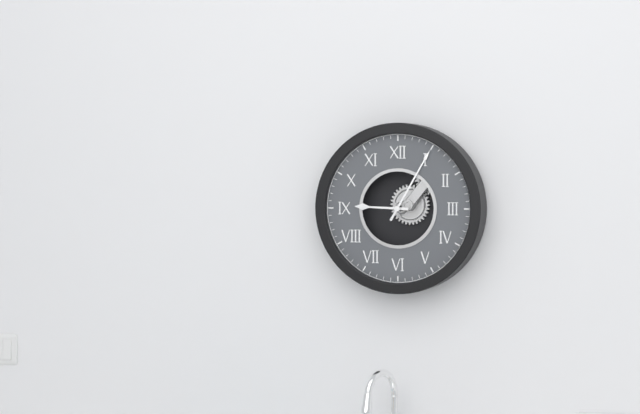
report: 9h05
